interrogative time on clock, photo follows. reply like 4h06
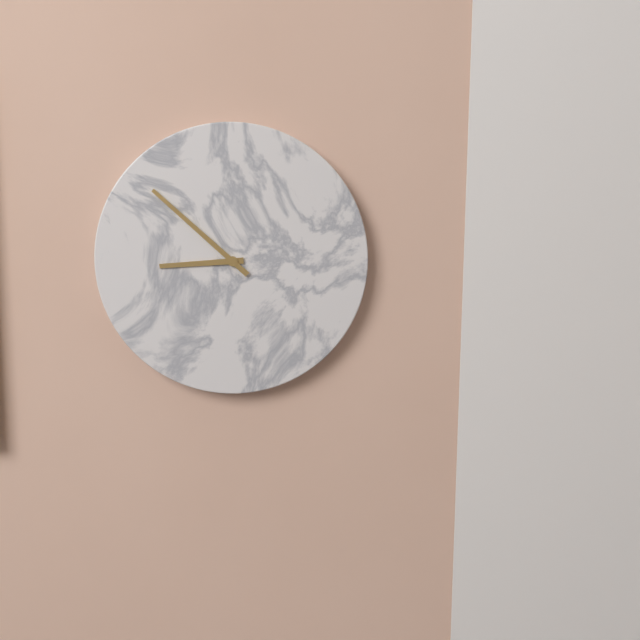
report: 8h52
